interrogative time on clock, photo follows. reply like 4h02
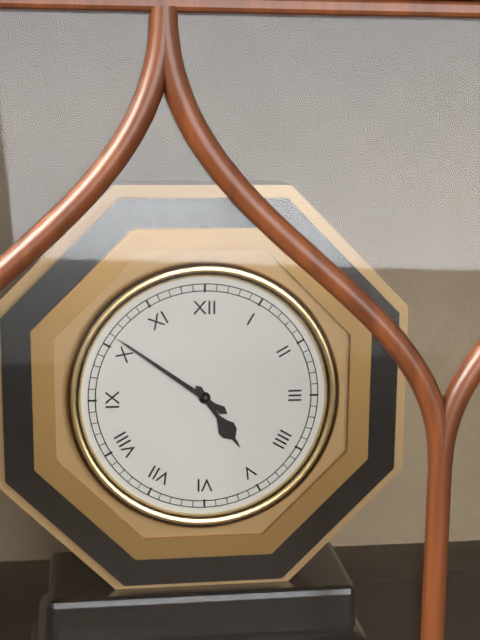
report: 4h51
